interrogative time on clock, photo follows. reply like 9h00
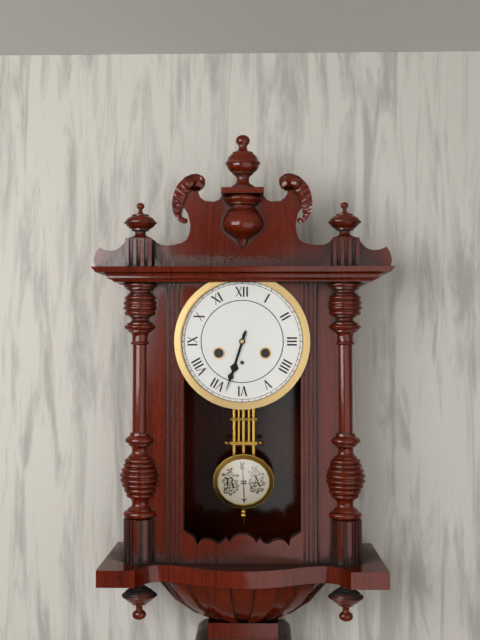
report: 6h33
